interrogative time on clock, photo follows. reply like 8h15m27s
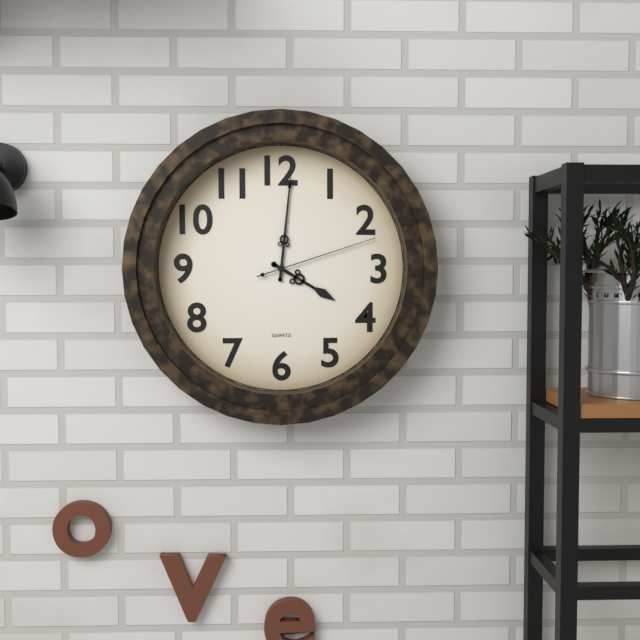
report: 4h01m12s
